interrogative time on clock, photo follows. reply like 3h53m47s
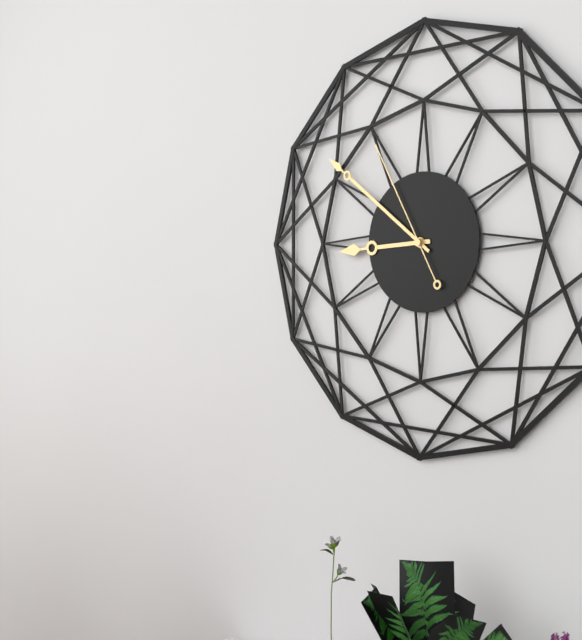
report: 8h51m55s
